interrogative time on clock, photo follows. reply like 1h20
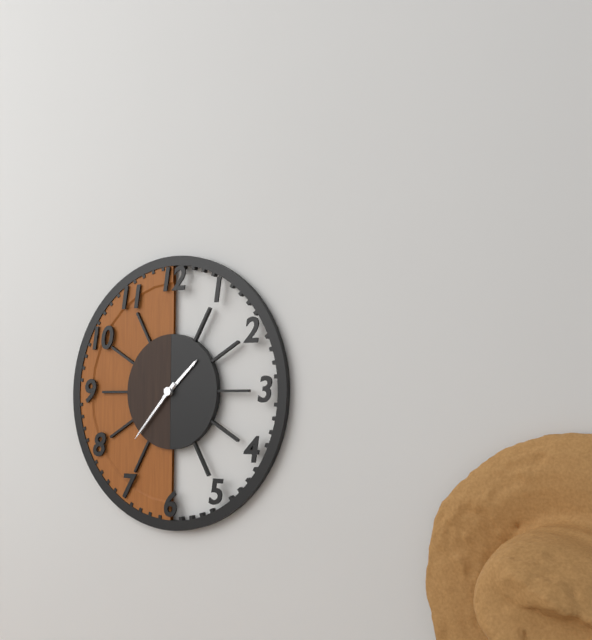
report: 1h37
